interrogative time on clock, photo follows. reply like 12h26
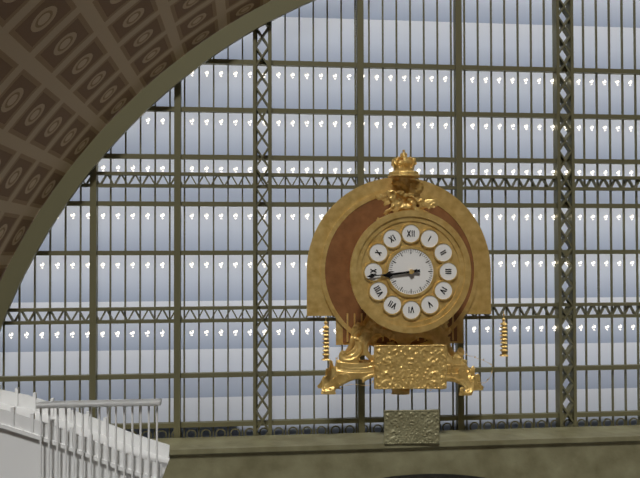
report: 8h44
